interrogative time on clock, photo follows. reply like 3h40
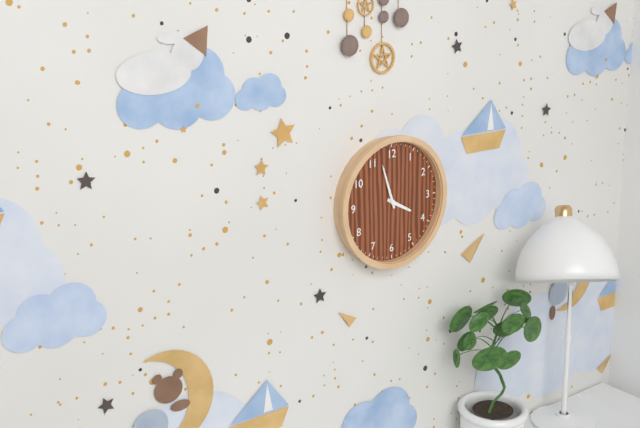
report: 3h57
